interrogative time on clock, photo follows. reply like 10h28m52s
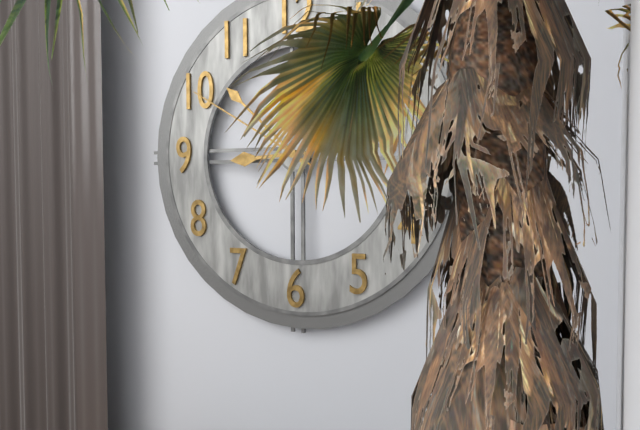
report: 8h52m50s
